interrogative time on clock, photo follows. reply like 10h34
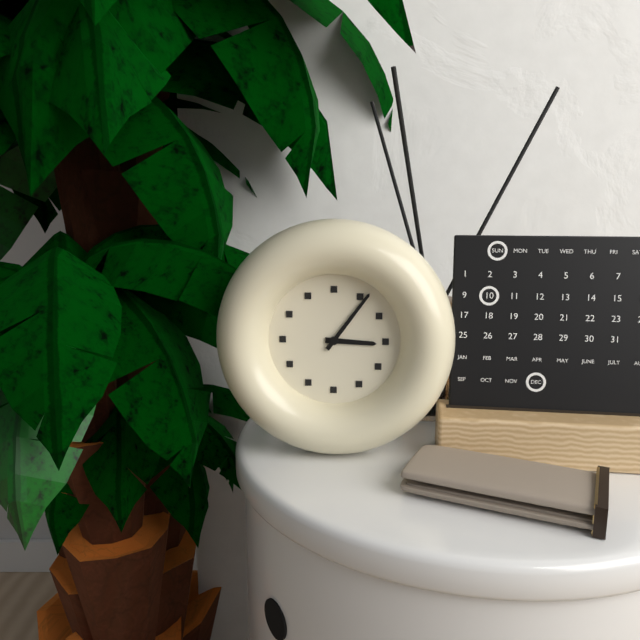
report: 3h06
